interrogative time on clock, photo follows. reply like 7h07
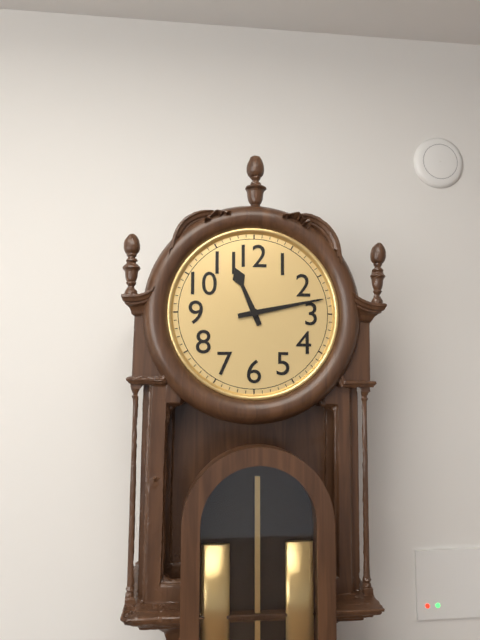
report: 11h13
